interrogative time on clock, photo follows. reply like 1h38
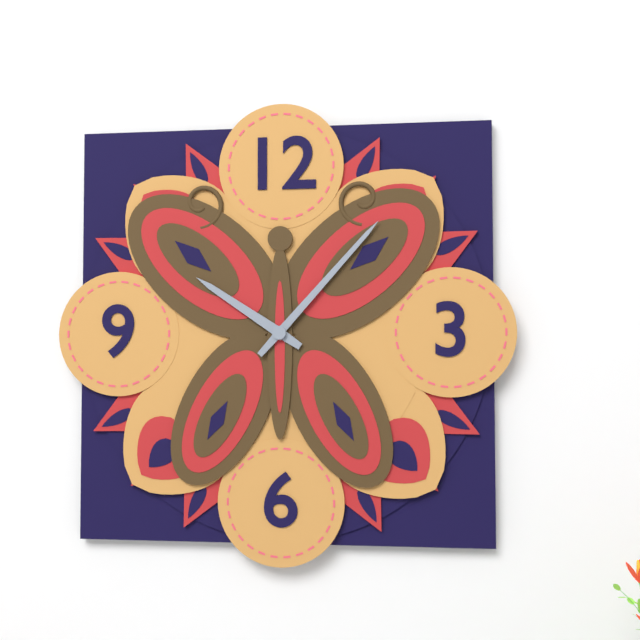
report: 10h07
